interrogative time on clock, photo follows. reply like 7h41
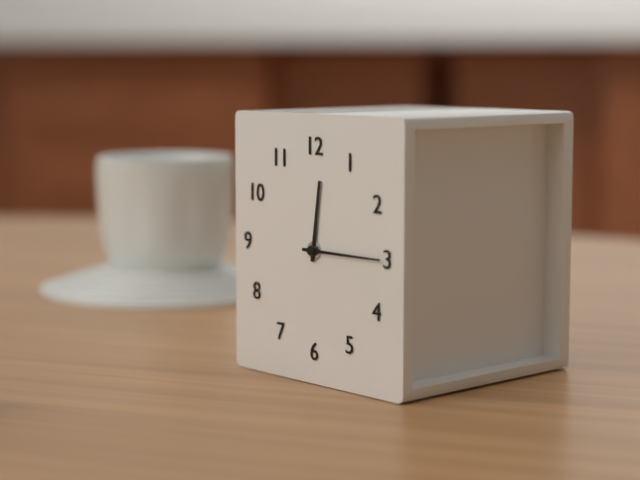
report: 12h15
